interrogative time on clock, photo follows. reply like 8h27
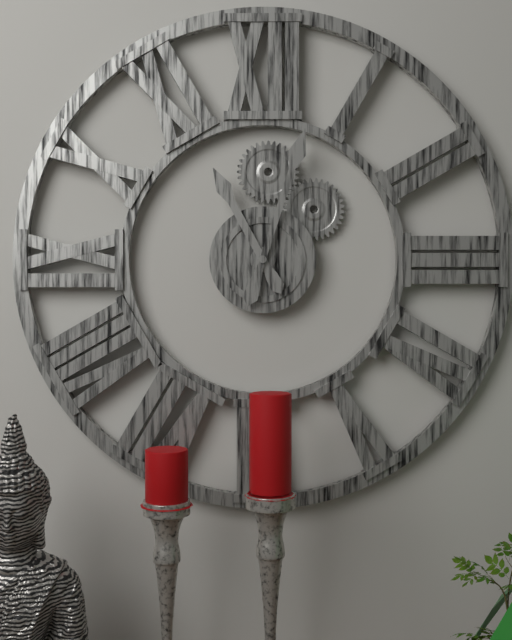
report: 11h03
